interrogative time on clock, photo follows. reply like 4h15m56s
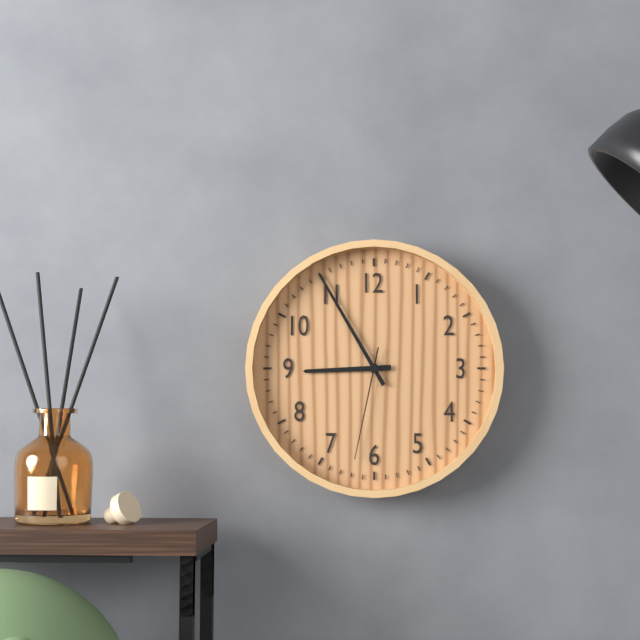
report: 8h55m32s
